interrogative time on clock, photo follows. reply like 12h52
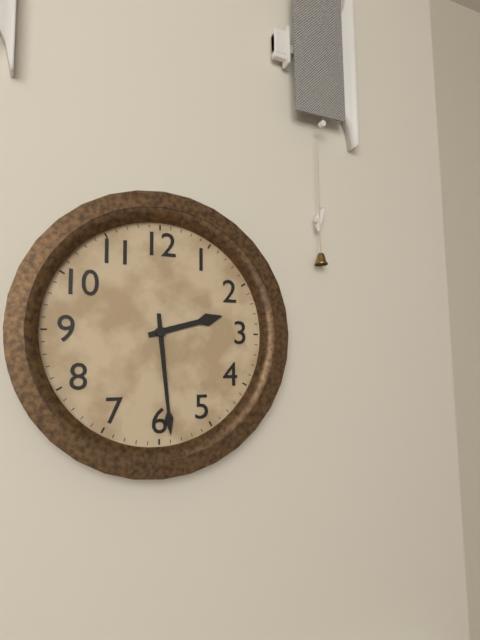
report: 2h29
